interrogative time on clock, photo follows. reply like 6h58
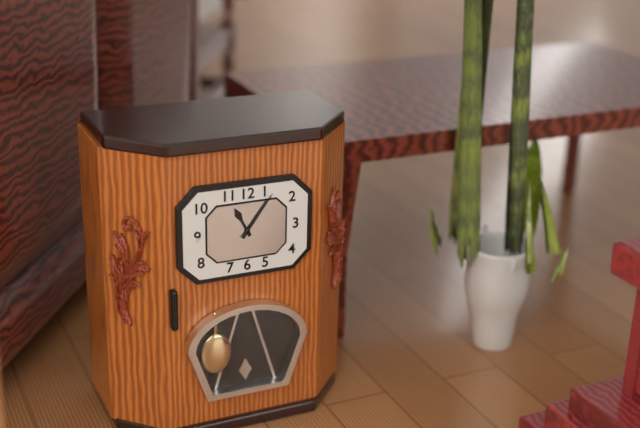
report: 11h06
